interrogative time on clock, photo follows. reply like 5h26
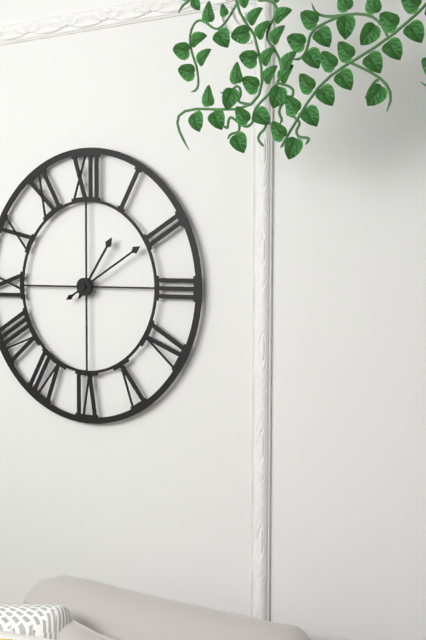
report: 1h10
